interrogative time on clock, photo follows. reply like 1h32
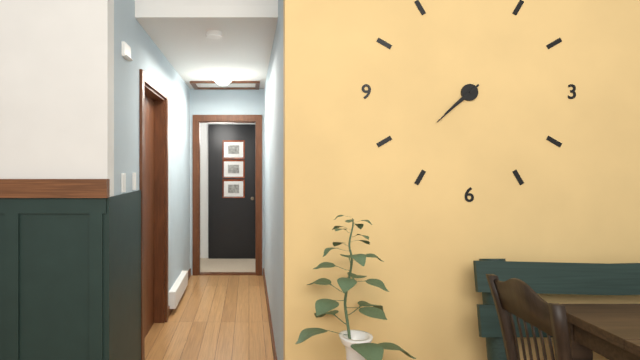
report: 7h38
